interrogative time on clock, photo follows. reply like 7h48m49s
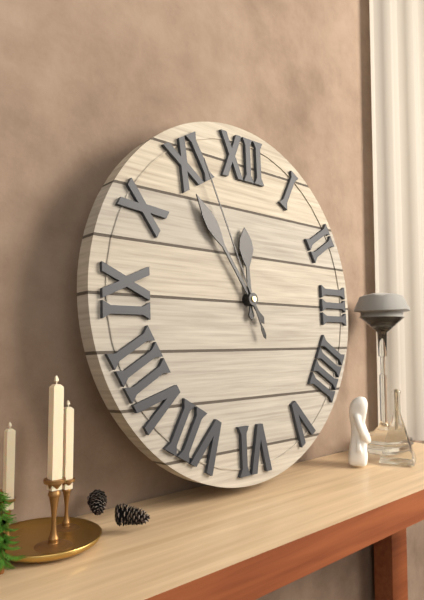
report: 11h54m56s
